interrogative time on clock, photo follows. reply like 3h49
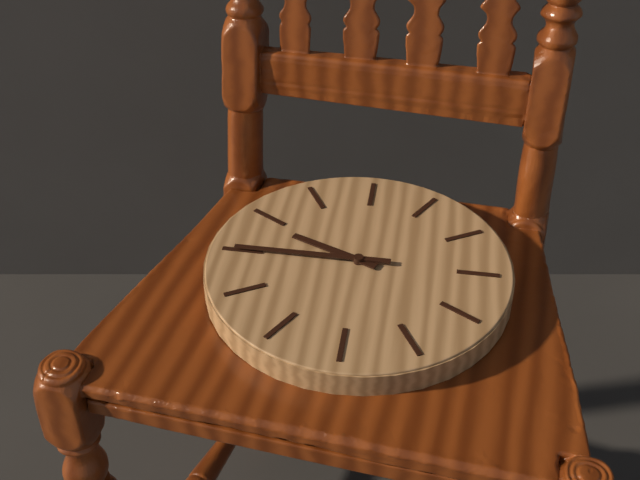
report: 9h45
